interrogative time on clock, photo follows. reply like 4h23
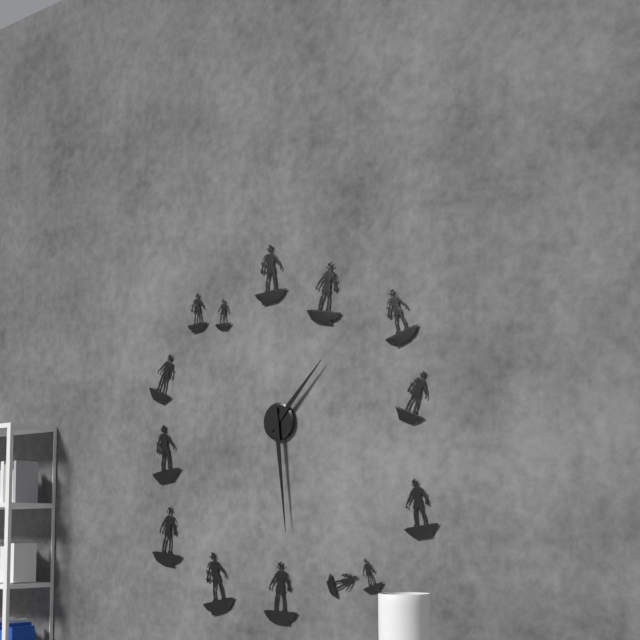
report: 1h29
